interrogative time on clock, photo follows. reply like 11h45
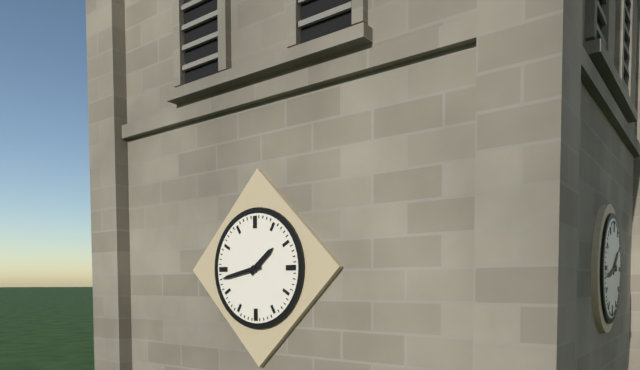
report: 1h43
